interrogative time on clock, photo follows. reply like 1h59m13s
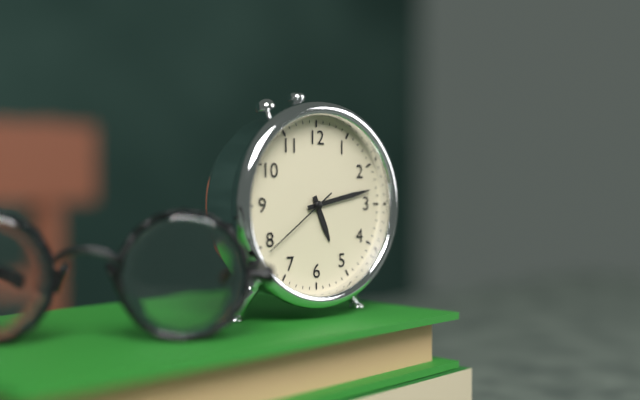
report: 5h13m39s
